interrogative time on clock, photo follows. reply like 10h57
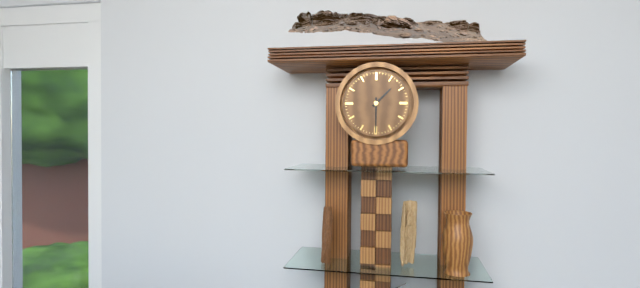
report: 1h30
